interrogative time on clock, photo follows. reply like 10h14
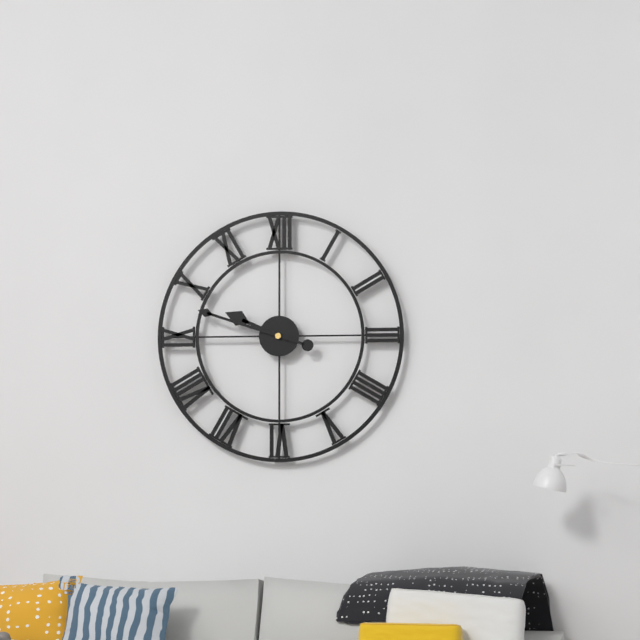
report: 9h48
